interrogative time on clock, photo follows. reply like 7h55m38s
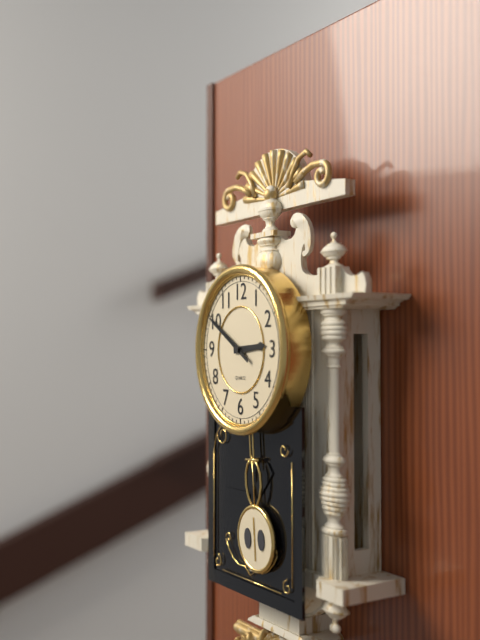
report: 2h50m50s
